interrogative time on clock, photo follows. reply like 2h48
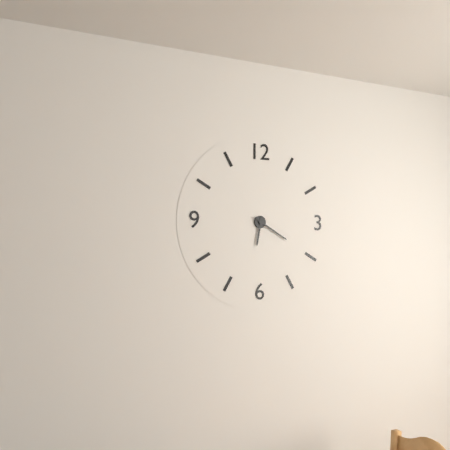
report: 6h20
